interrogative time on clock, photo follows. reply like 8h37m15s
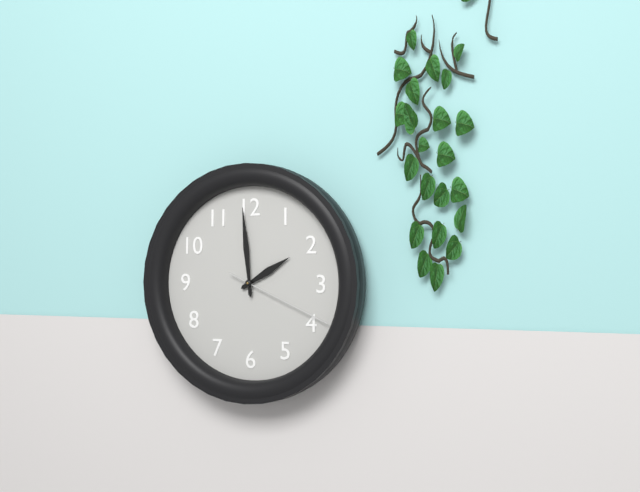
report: 1h59m19s
